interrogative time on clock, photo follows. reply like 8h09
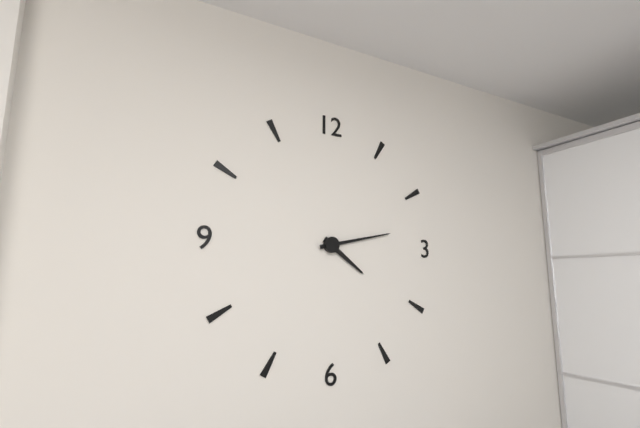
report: 4h13
